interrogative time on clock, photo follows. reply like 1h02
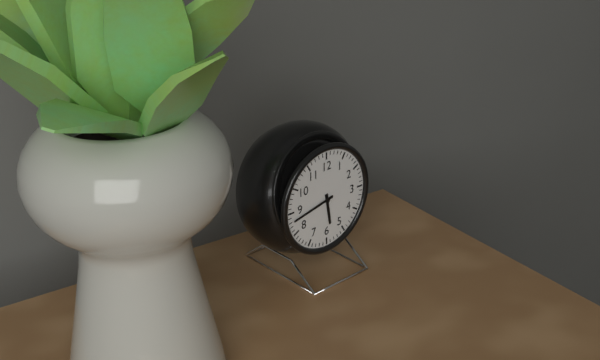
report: 5h43
